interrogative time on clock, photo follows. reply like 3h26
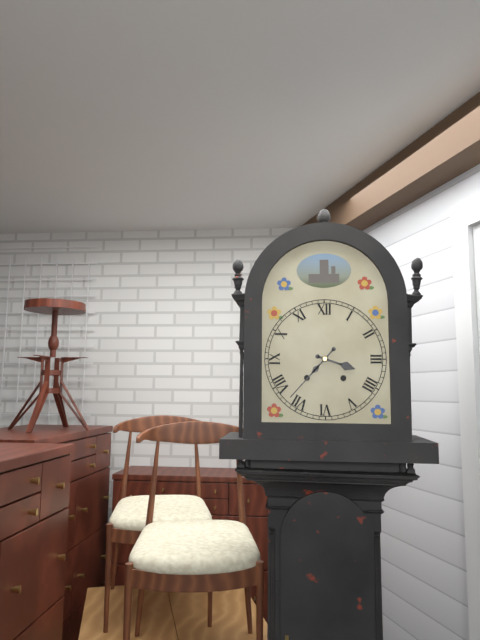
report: 3h37
